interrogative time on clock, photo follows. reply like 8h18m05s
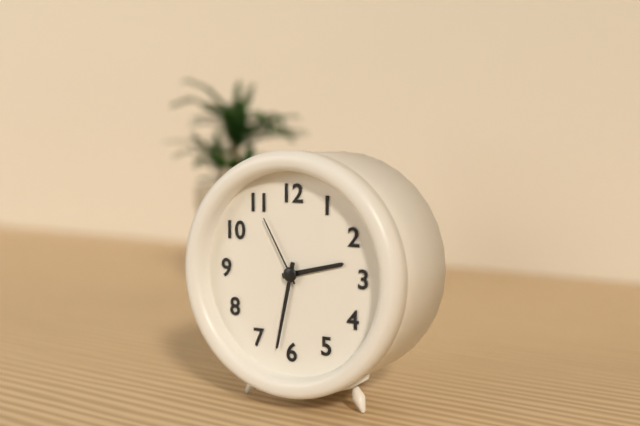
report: 2h32m55s
